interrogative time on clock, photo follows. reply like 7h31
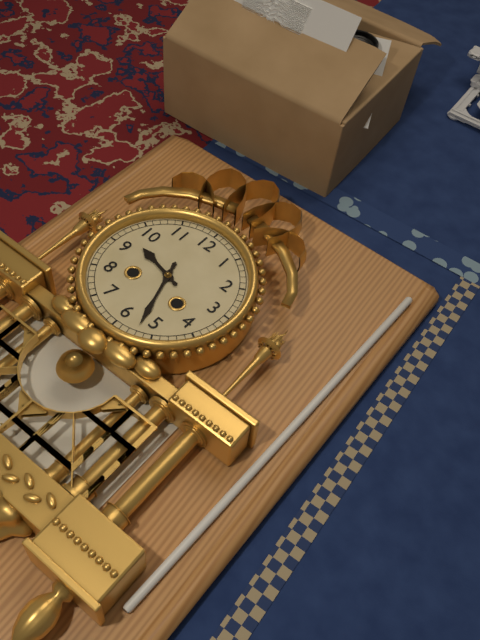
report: 9h27
